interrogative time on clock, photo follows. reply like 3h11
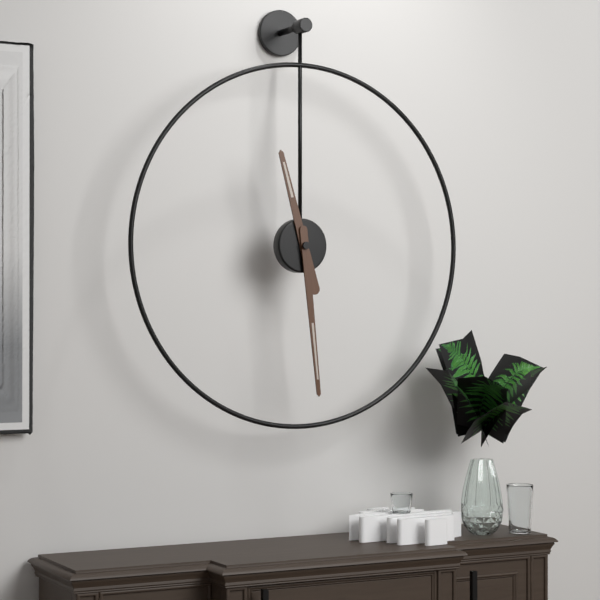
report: 11h29
